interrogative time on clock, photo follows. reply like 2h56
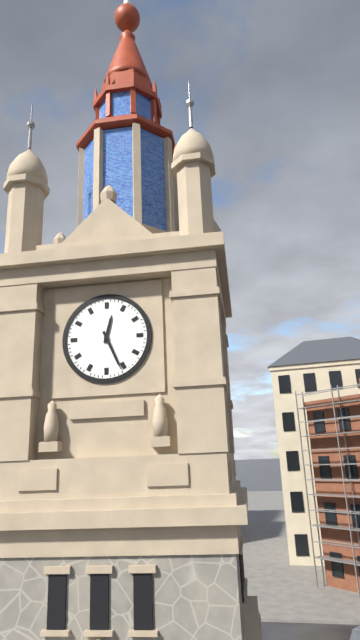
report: 12h26
